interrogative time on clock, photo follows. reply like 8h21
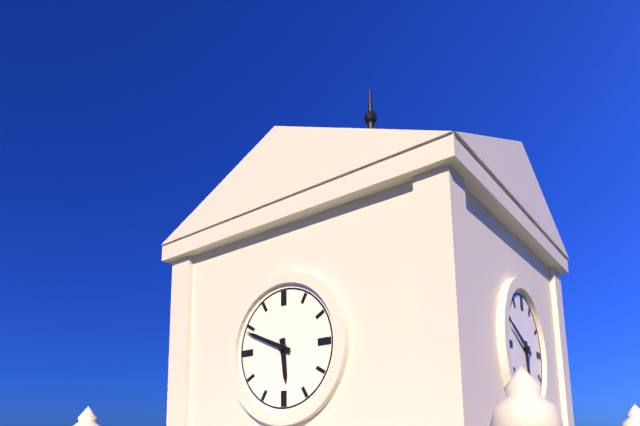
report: 5h49
